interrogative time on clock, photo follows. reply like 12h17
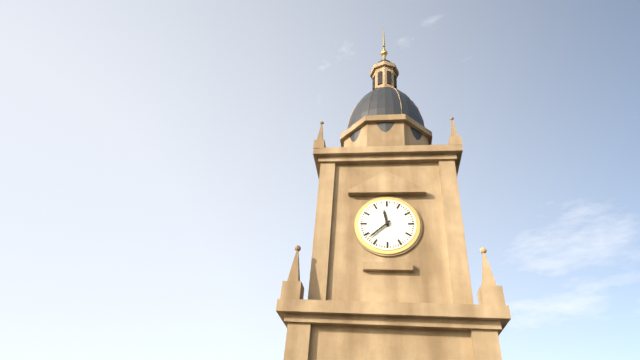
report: 11h38
